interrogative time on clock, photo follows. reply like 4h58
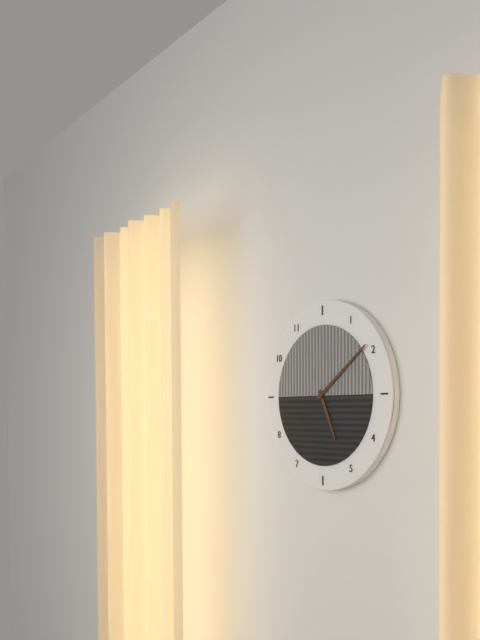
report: 5h09
